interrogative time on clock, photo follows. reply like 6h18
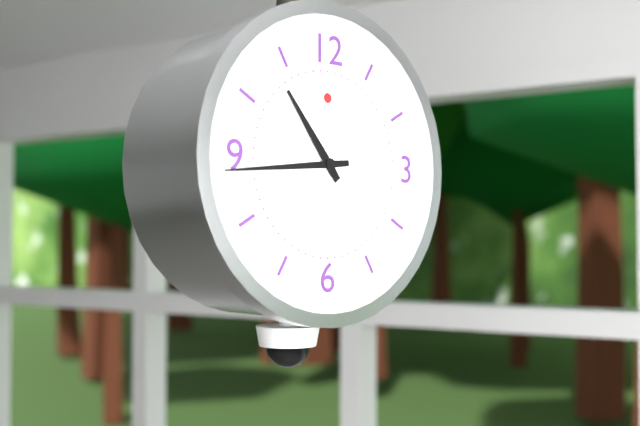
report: 10h44
